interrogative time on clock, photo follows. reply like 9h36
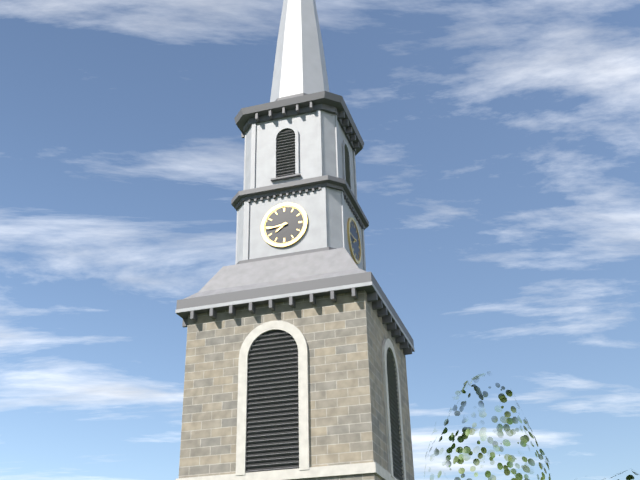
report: 7h44
